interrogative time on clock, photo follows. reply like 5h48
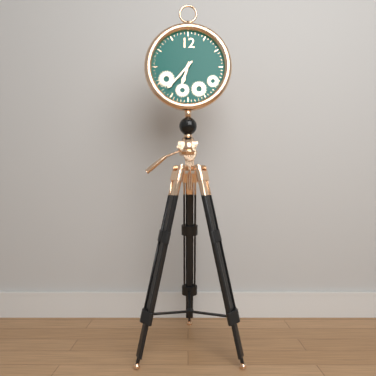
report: 6h37
